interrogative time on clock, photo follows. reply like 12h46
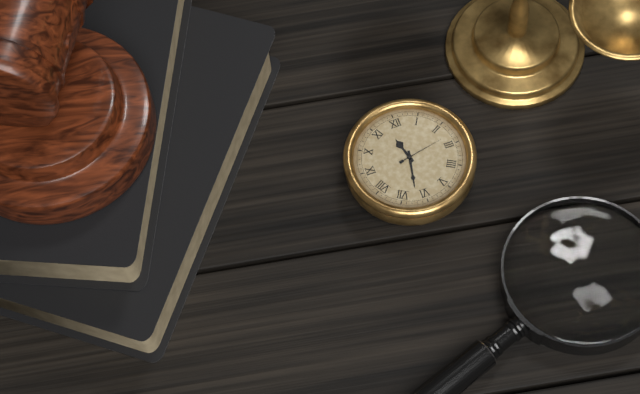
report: 11h32
